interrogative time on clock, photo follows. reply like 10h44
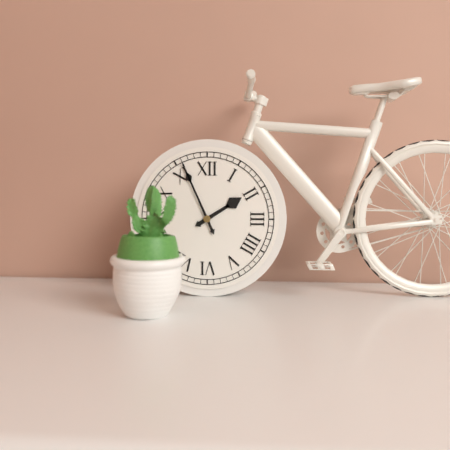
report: 1h56
